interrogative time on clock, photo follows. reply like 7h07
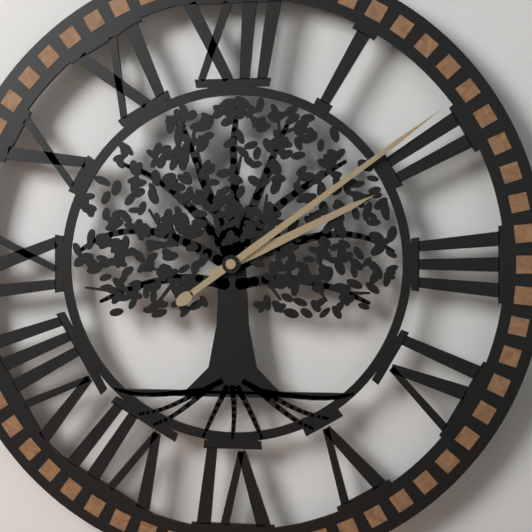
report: 2h09
